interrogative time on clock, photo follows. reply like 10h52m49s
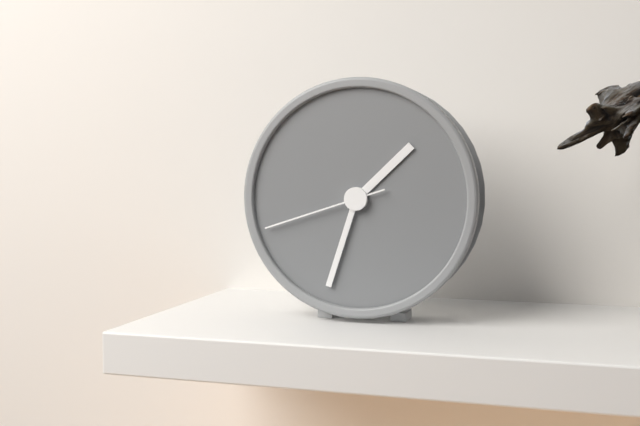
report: 1h33m42s
